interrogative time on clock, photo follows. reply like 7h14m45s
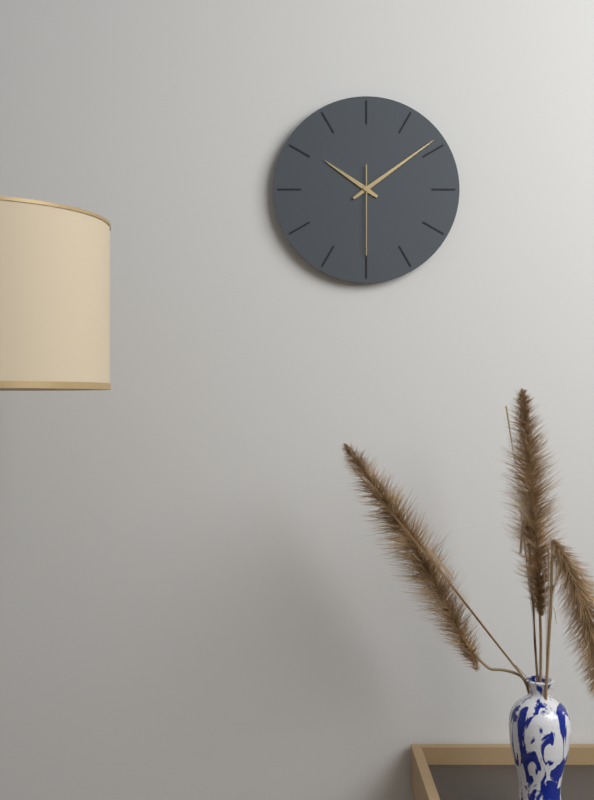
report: 10h09m30s
